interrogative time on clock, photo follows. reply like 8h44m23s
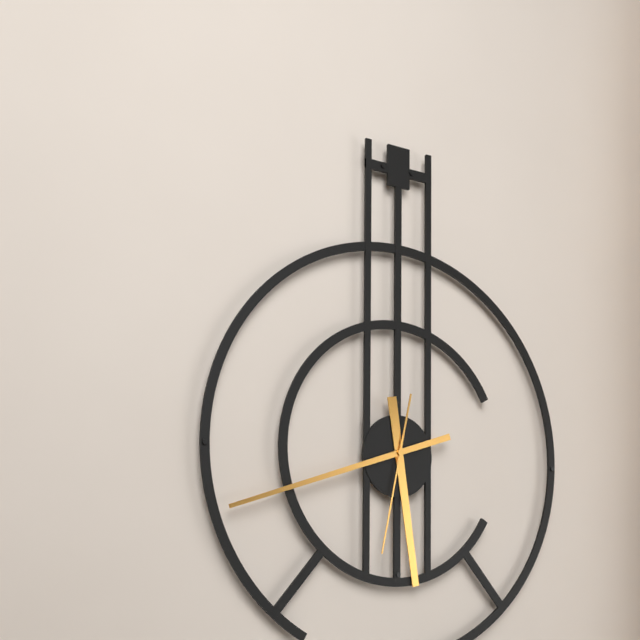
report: 5h42m32s
